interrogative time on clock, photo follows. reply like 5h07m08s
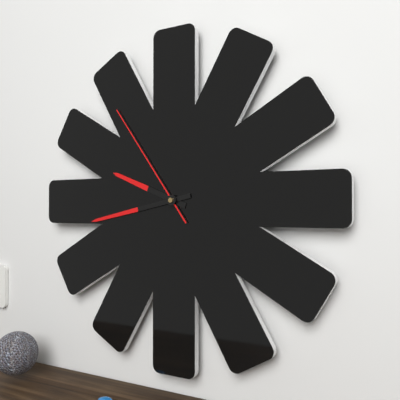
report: 9h43m54s
